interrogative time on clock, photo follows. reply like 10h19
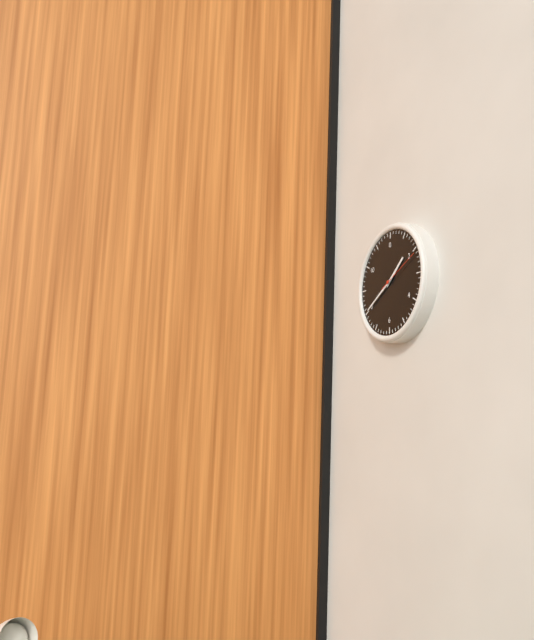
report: 1h40
